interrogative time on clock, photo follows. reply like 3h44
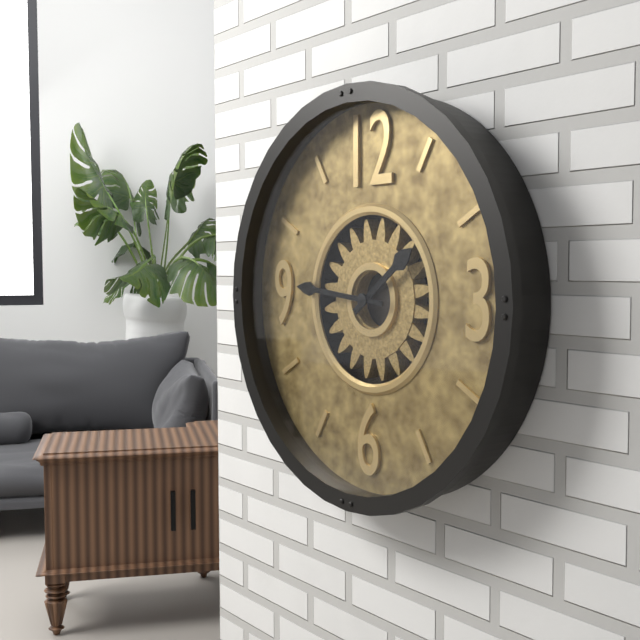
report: 1h46
